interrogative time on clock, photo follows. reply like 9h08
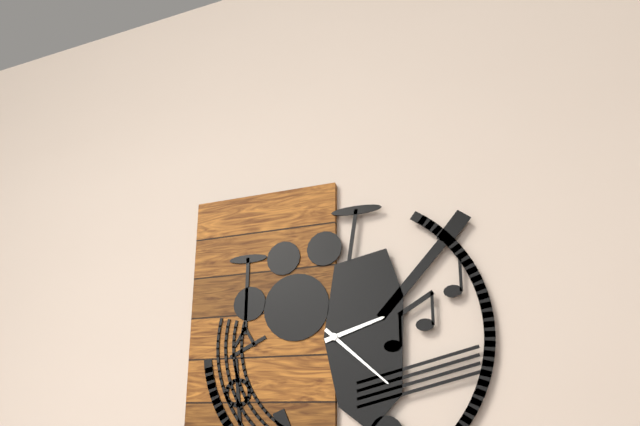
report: 2h22
